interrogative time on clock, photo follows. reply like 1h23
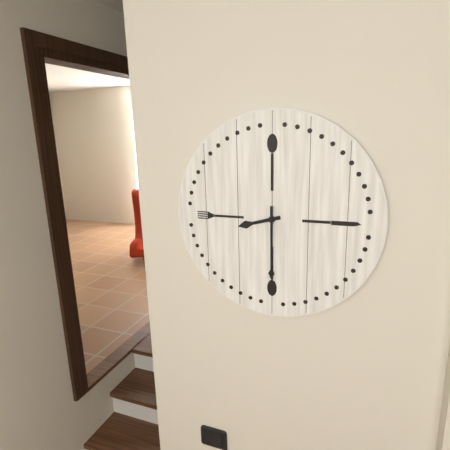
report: 8h30
